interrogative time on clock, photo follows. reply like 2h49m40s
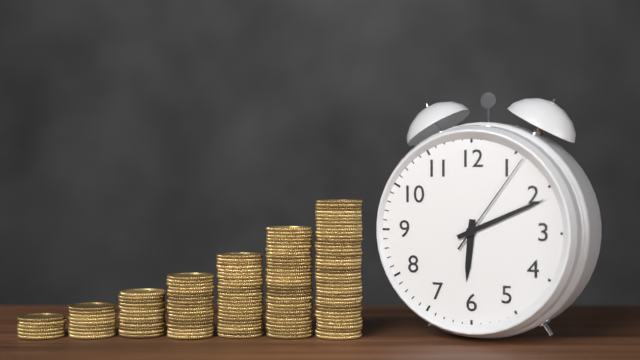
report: 6h11m06s
